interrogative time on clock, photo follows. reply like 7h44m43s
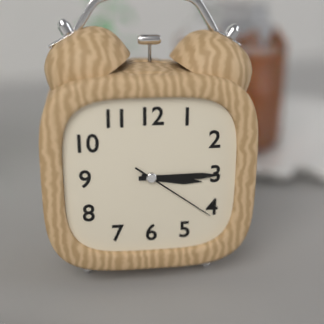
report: 3h15m21s
